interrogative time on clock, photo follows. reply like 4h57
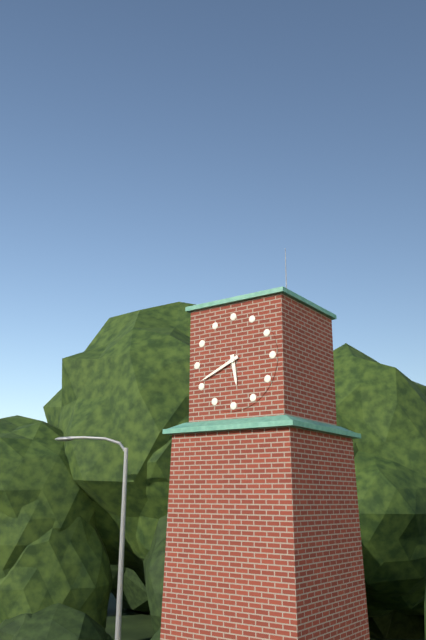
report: 5h41
